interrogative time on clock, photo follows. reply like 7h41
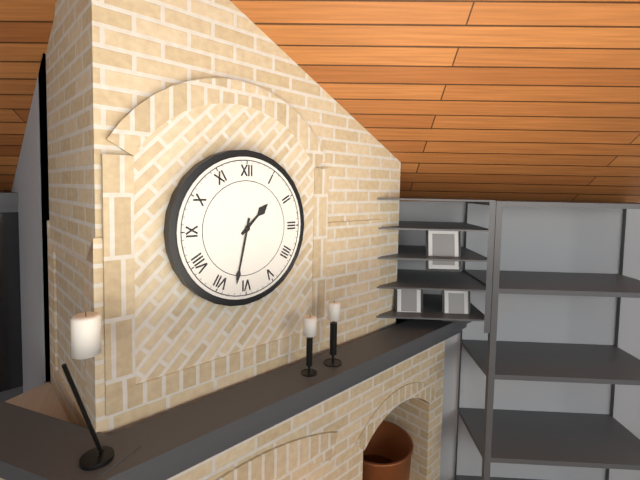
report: 1h32
